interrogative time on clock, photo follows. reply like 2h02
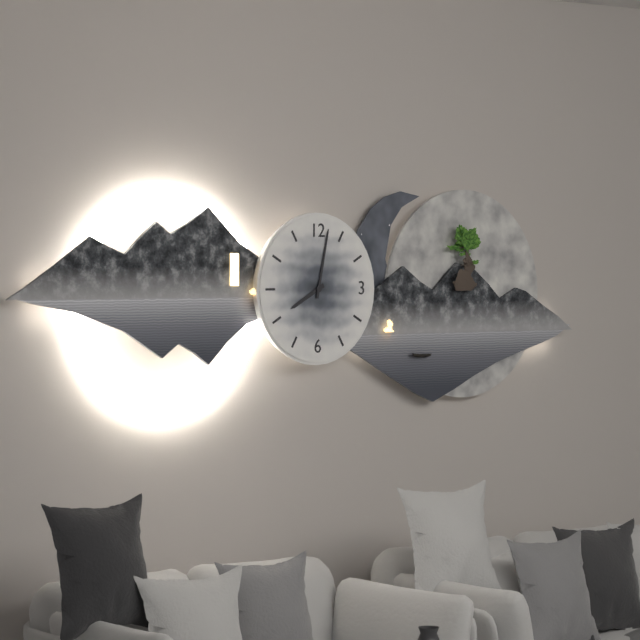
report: 8h02
